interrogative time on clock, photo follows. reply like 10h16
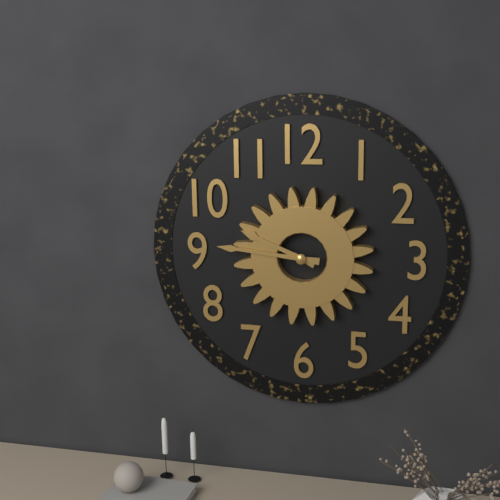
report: 9h46
